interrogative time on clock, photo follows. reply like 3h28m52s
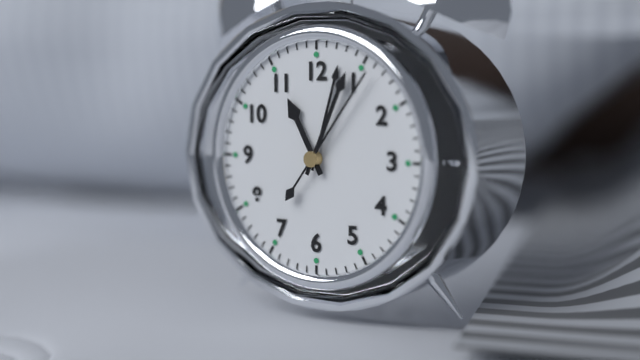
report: 11h04m06s
